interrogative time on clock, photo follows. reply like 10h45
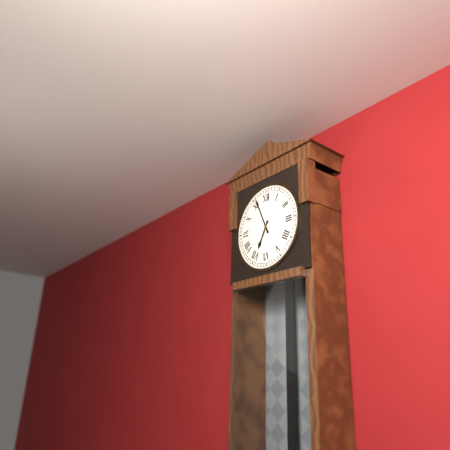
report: 6h56
